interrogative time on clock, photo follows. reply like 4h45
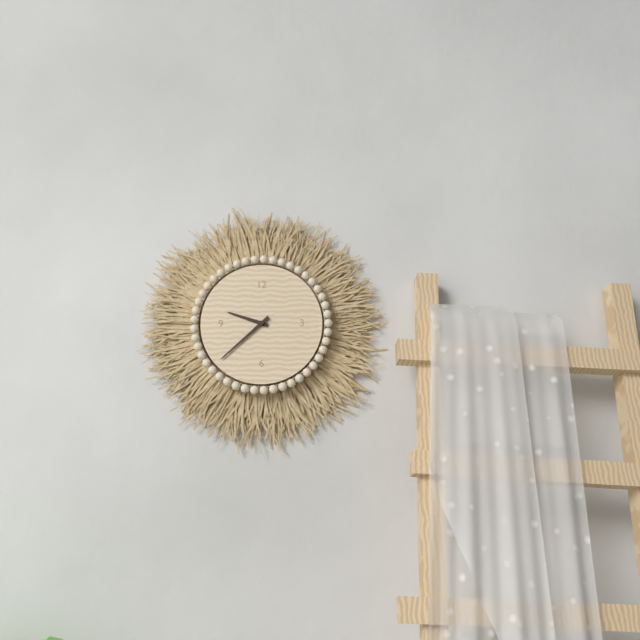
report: 9h38
